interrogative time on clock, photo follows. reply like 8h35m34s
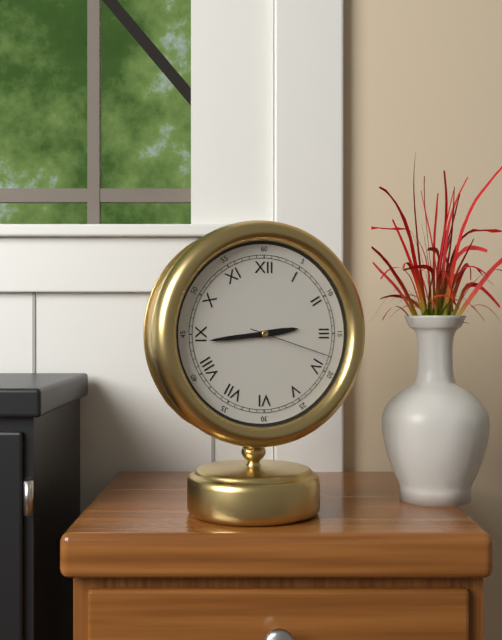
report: 2h44m18s
